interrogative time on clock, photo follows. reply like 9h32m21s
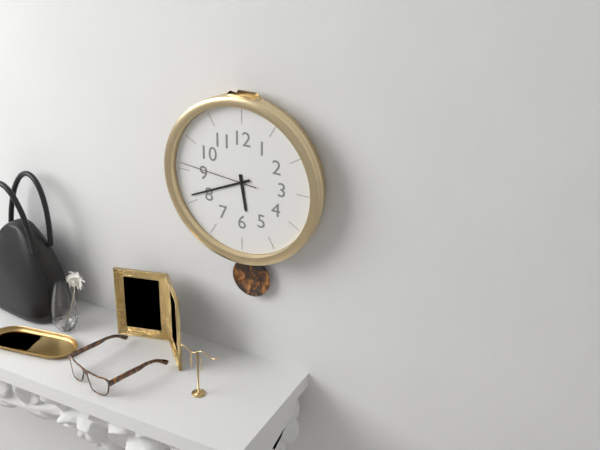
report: 5h41m46s
